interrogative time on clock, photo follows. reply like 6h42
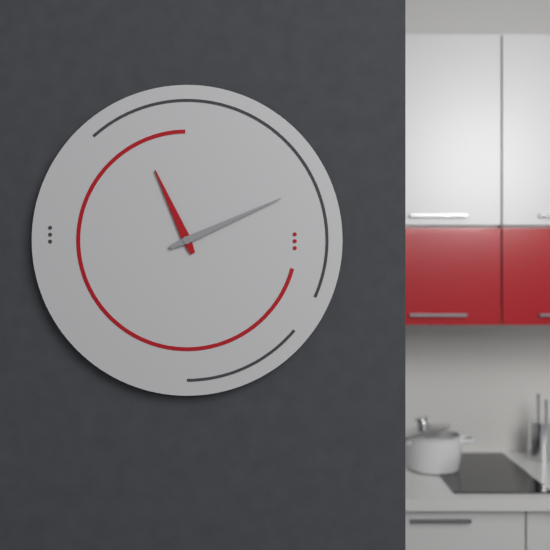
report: 11h11
